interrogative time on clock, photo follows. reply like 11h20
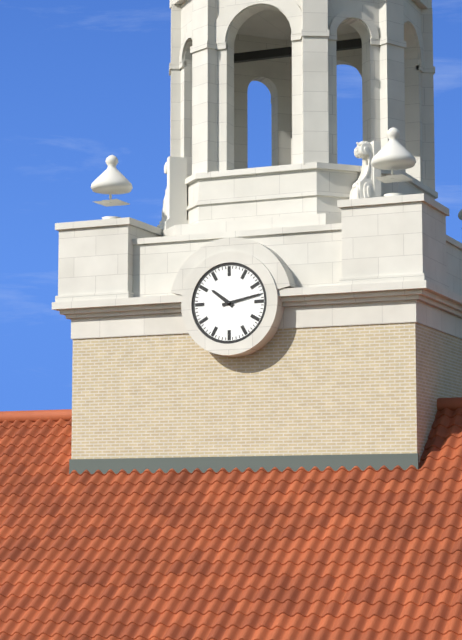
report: 10h13
